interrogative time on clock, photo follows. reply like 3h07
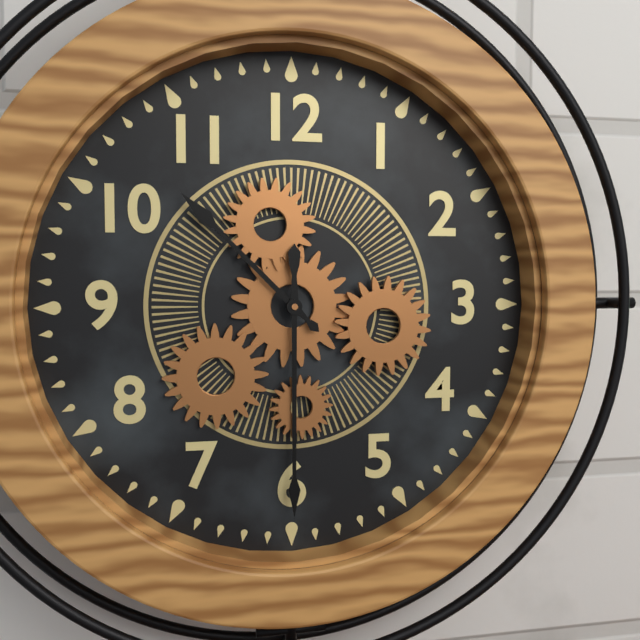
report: 10h30
